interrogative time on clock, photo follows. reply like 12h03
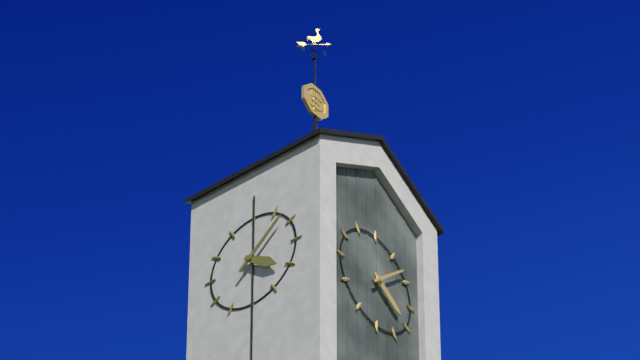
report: 4h08
